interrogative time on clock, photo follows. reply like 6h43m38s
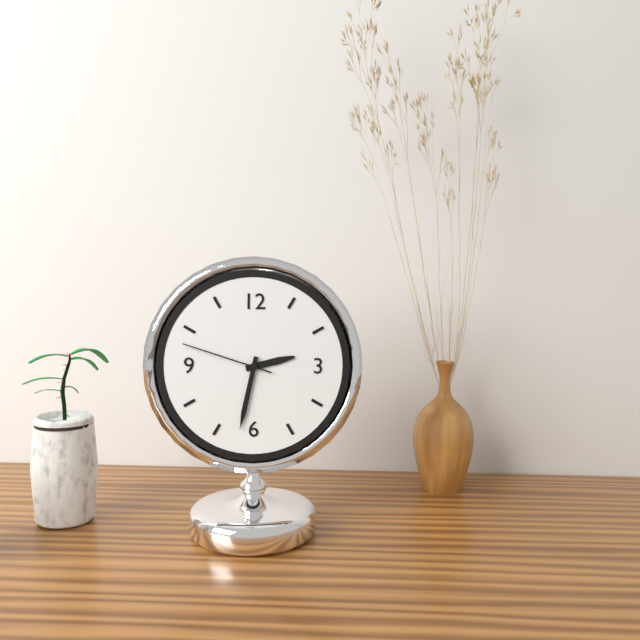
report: 2h32m48s
